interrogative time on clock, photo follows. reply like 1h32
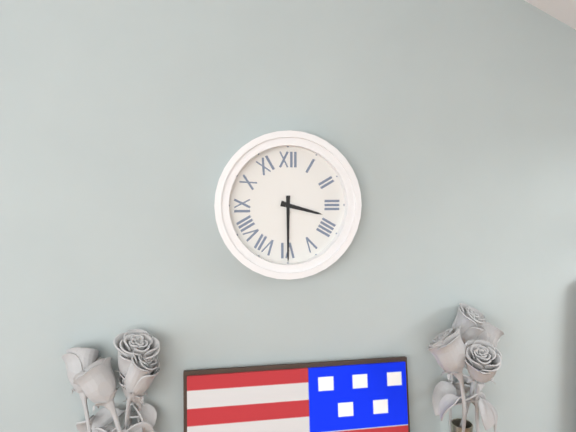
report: 3h30
